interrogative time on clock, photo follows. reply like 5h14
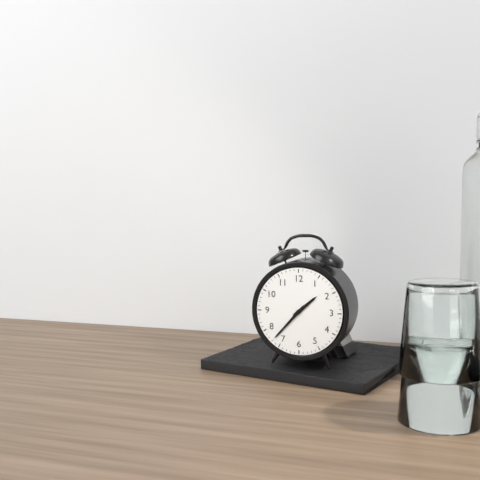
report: 1h37
